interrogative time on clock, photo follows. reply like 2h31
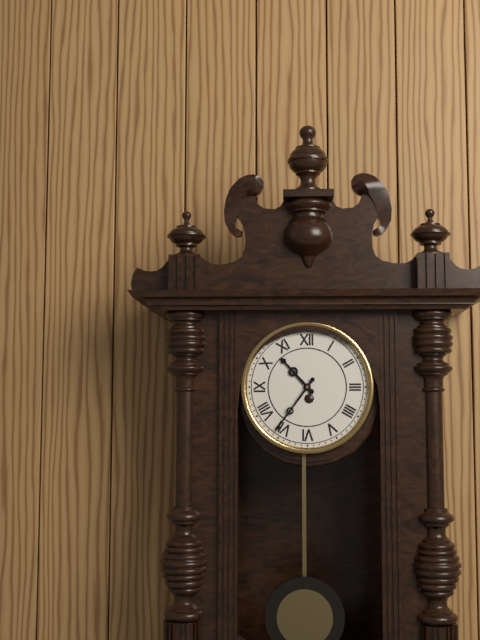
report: 10h36
